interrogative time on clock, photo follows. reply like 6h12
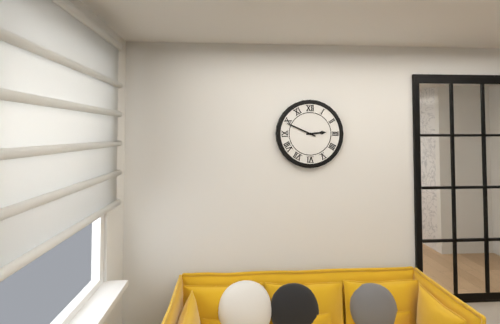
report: 2h49
